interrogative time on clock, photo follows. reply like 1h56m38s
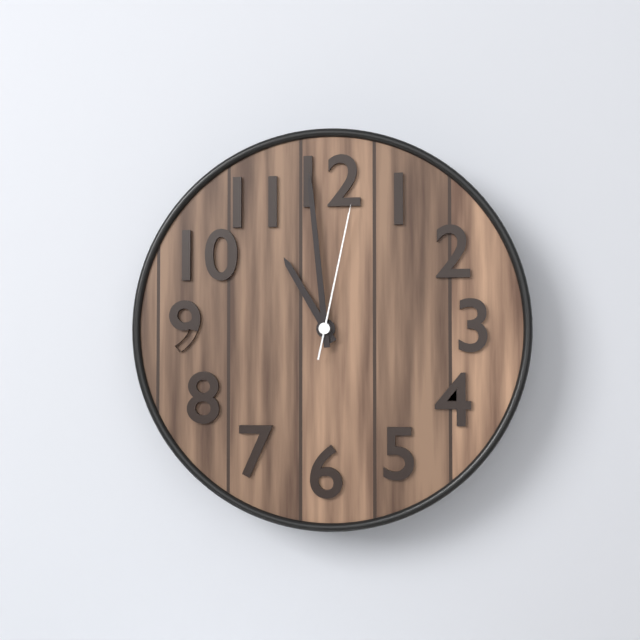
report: 10h59m02s
